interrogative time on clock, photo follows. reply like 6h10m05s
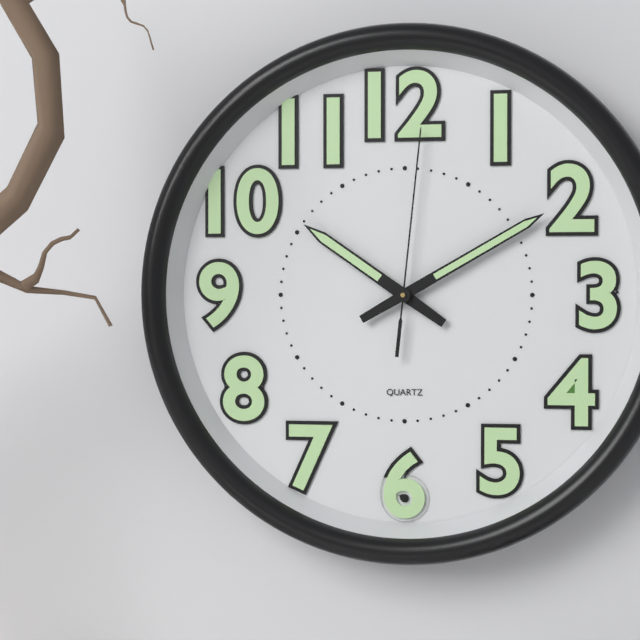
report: 10h10m01s
